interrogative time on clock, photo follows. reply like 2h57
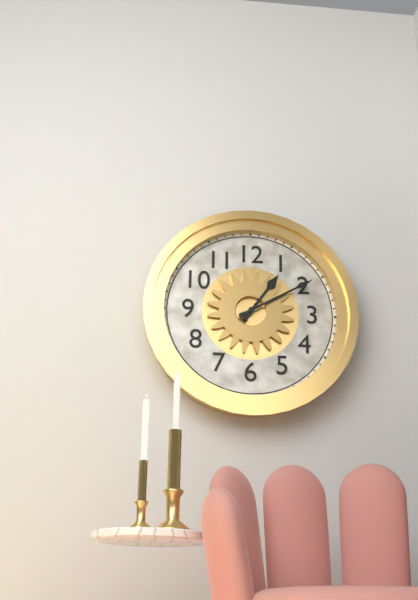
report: 1h10
